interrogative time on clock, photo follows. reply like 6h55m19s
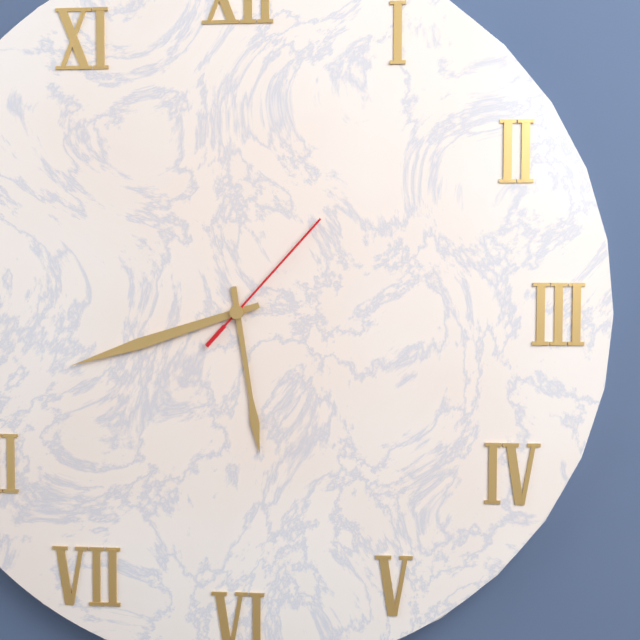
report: 5h42m07s
